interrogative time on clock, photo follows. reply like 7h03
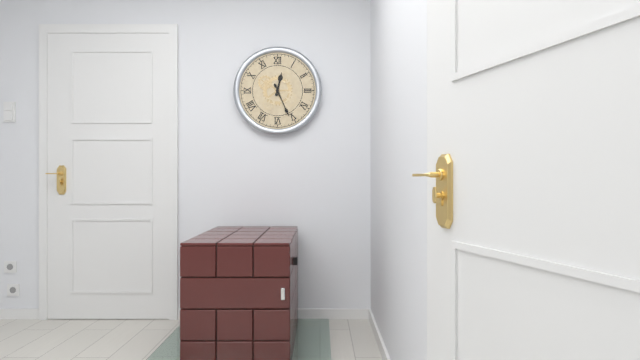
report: 12h26
